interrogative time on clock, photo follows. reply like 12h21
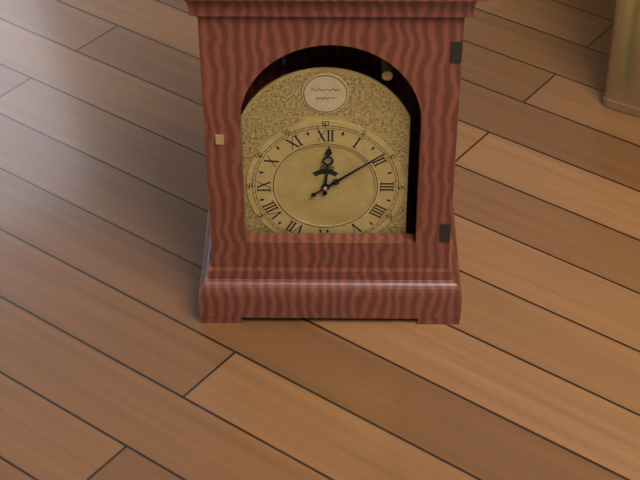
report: 12h09
